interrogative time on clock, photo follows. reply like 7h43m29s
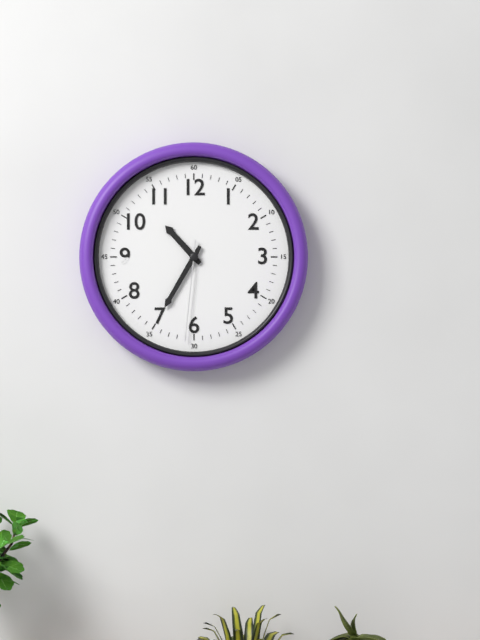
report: 10h35m31s
